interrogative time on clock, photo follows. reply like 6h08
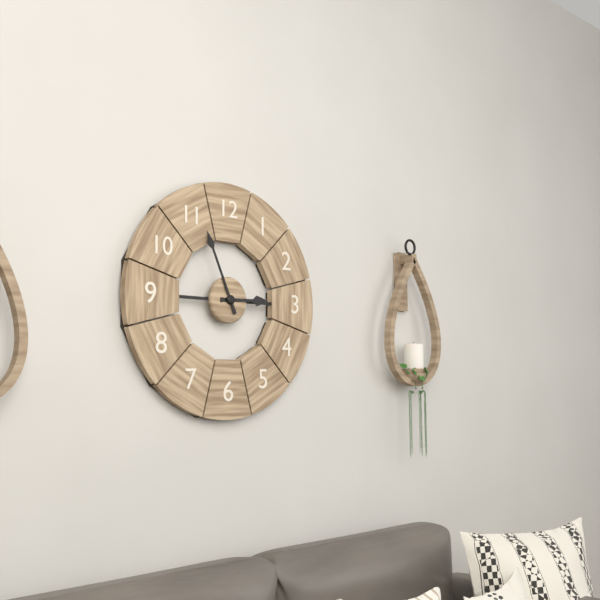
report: 2h56
